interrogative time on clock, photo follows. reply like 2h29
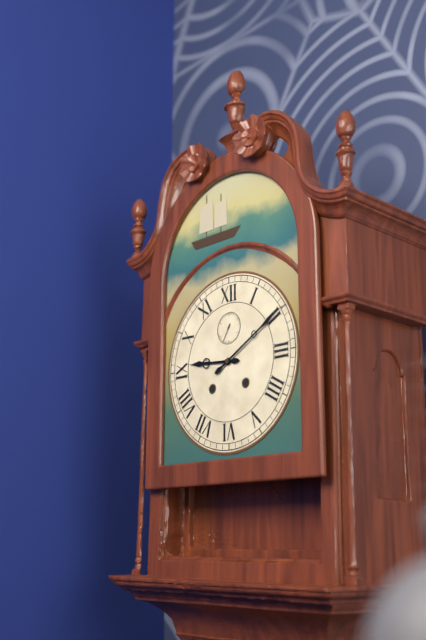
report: 9h10
